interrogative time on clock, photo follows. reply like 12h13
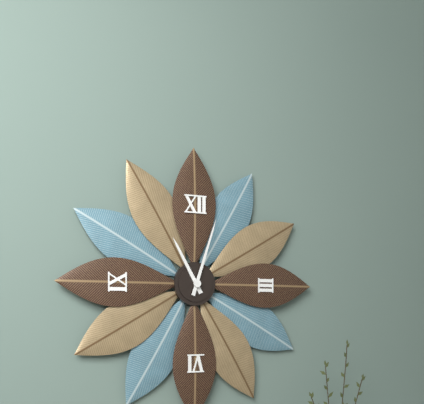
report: 11h03
